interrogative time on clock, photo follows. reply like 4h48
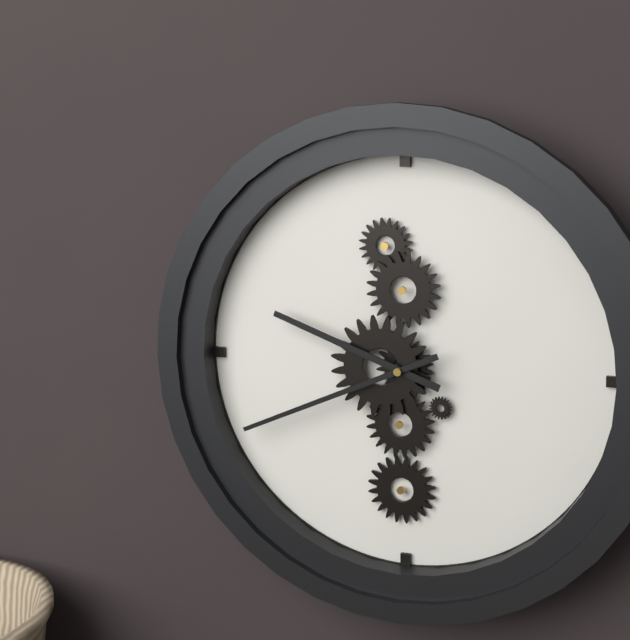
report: 9h41
